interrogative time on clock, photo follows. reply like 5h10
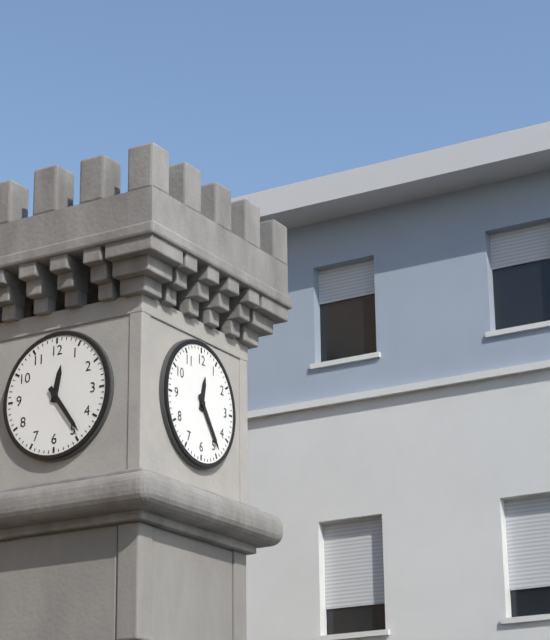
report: 12h24
